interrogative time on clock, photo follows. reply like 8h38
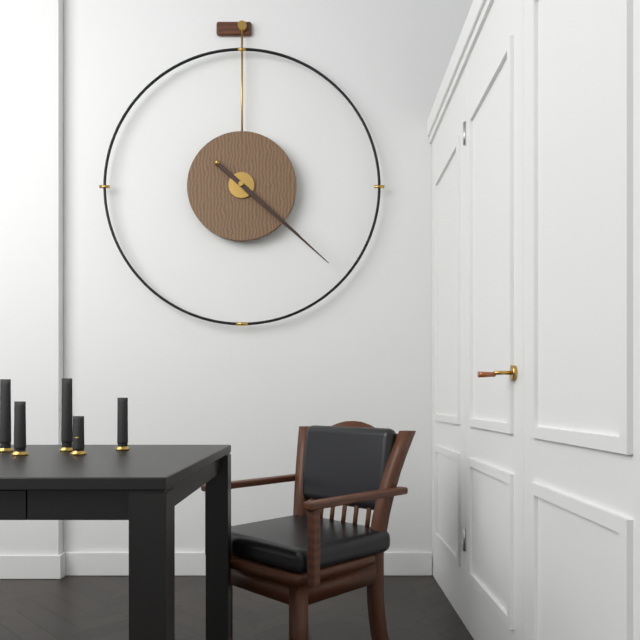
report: 4h22
